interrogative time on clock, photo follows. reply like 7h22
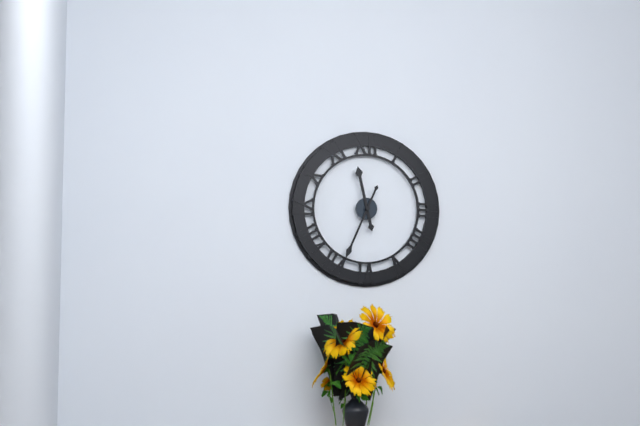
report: 11h34
